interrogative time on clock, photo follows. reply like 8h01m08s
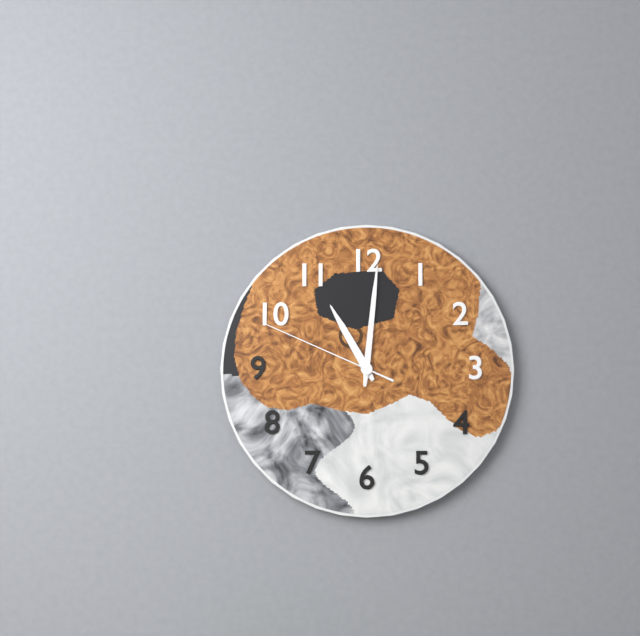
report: 11h01m49s
